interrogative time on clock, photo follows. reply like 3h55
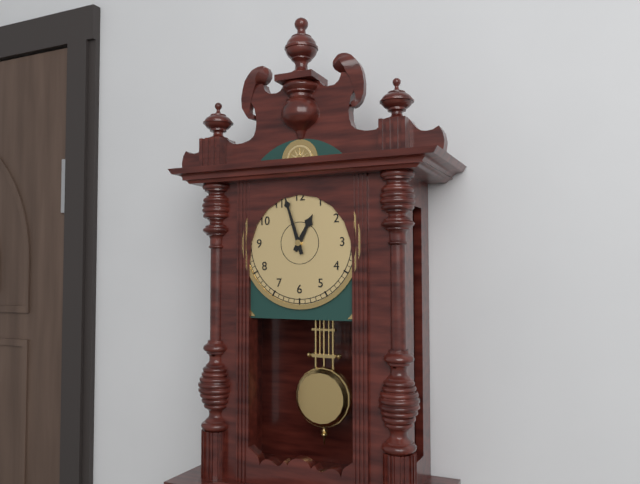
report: 12h57
